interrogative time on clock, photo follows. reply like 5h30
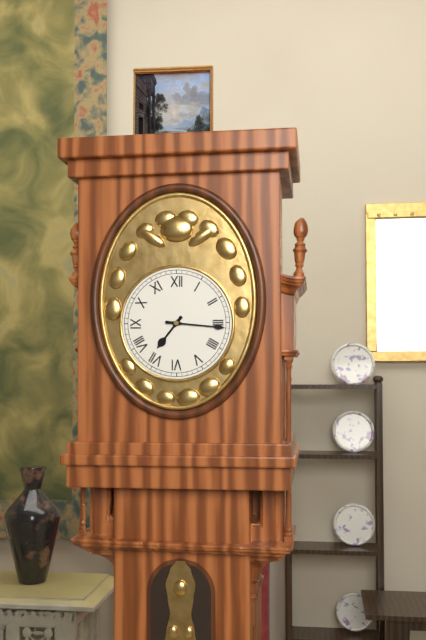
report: 7h16
